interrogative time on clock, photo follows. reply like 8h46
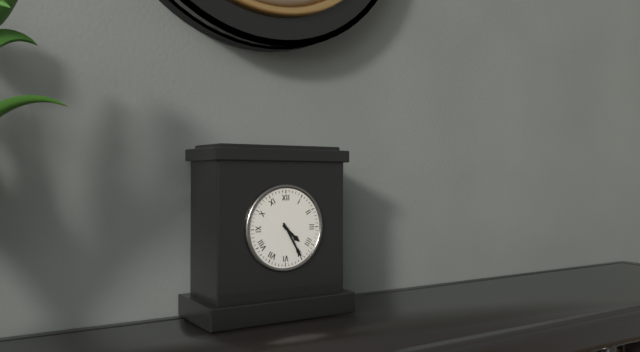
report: 4h25
